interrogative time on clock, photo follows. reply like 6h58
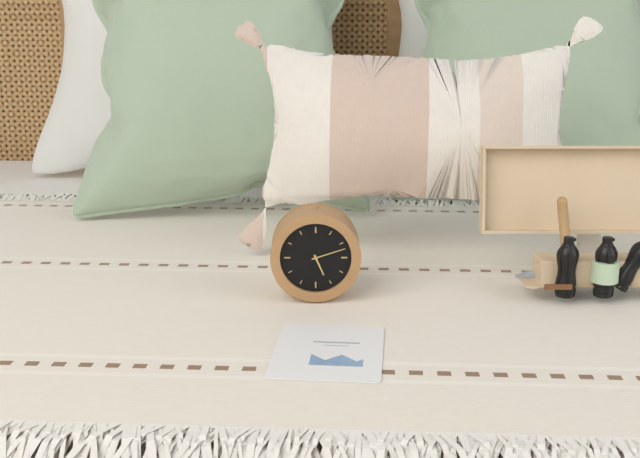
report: 5h12
